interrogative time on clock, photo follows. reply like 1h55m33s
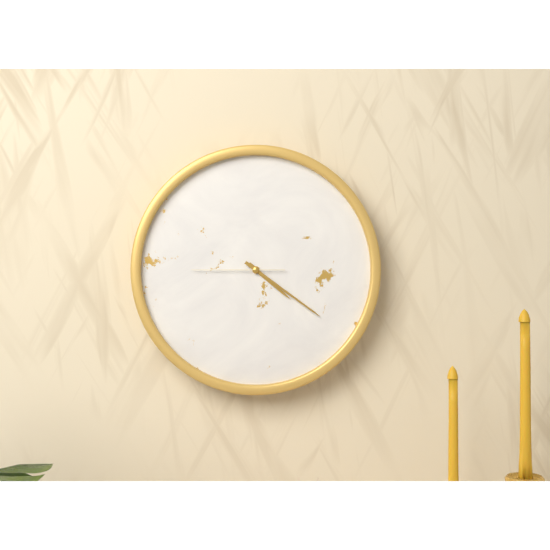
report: 4h21m45s
